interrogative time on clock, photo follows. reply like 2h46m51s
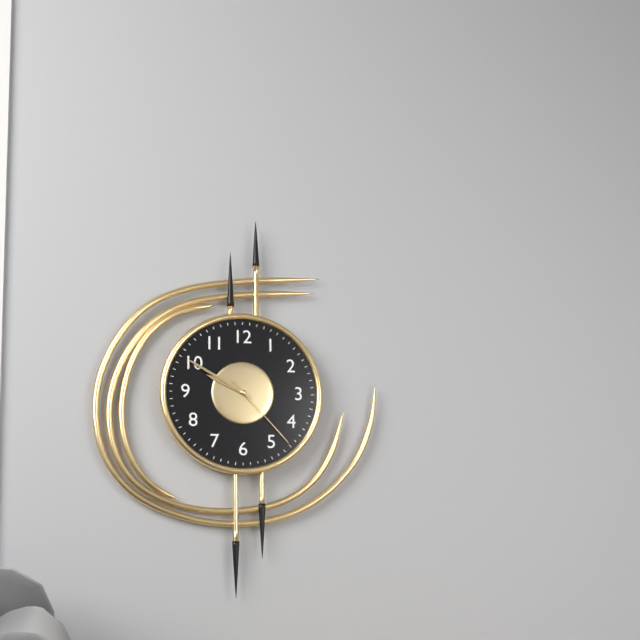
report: 9h50m23s
